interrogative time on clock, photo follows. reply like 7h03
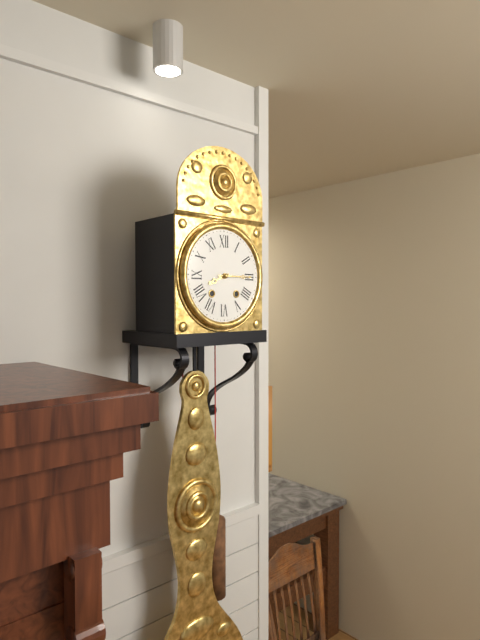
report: 8h15
